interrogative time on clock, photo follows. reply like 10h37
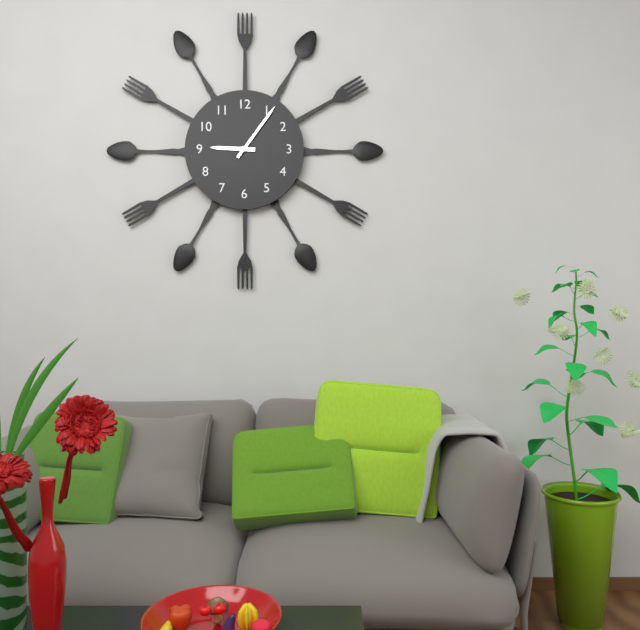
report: 9h06
